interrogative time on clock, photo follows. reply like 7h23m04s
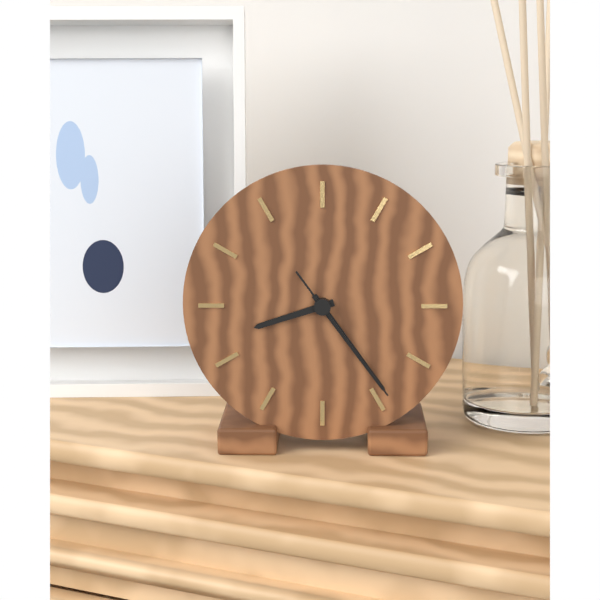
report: 8h24m24s
